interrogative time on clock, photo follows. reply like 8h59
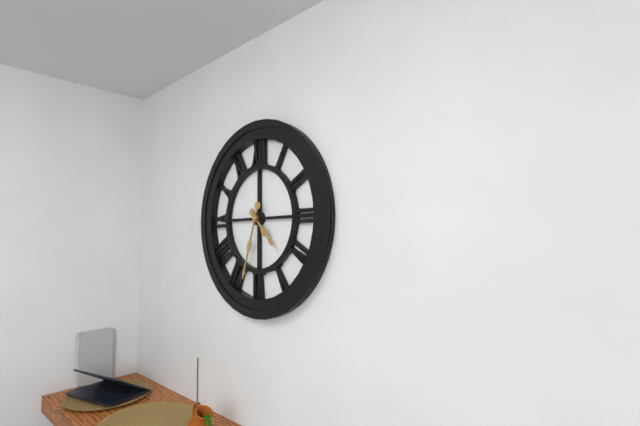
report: 4h33
